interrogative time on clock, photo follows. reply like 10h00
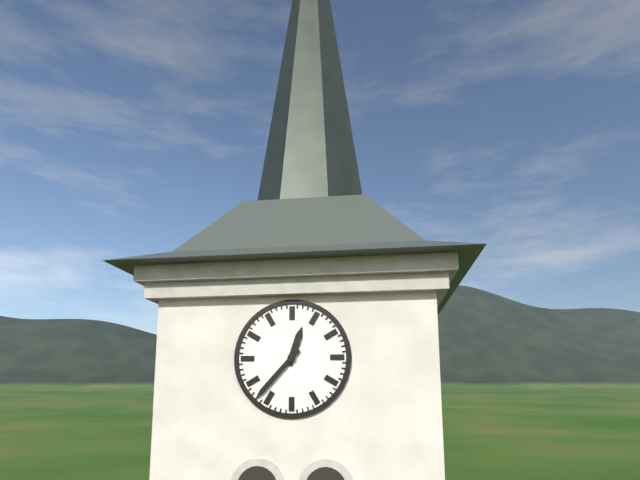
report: 12h37
